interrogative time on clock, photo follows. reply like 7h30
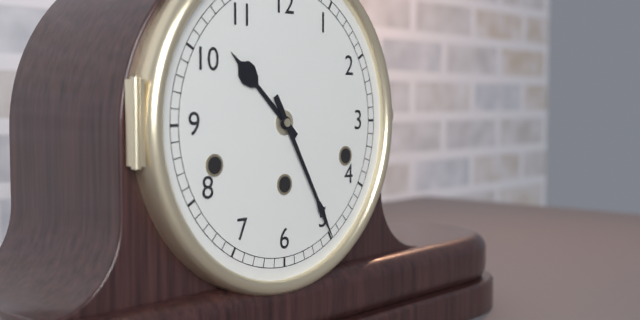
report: 10h25
